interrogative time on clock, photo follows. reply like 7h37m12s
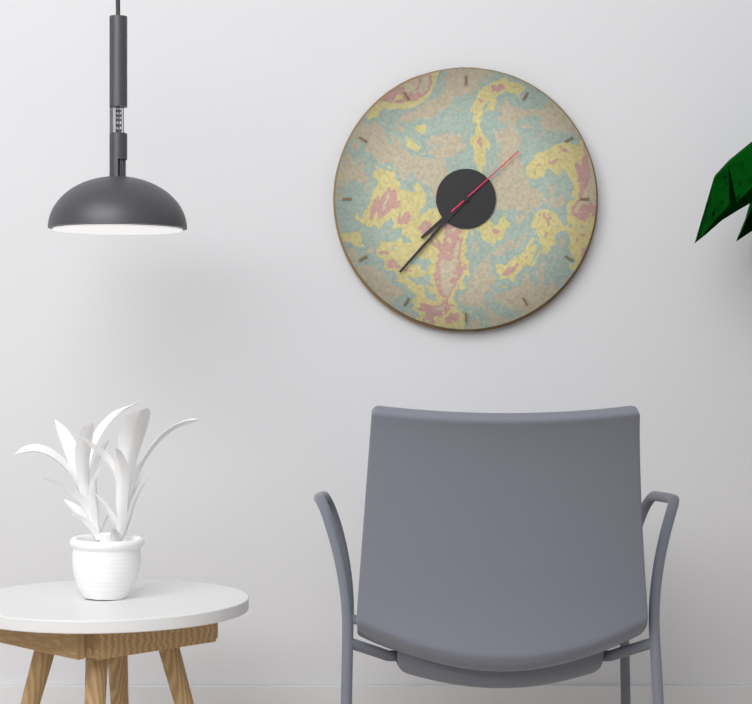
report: 7h37m08s
